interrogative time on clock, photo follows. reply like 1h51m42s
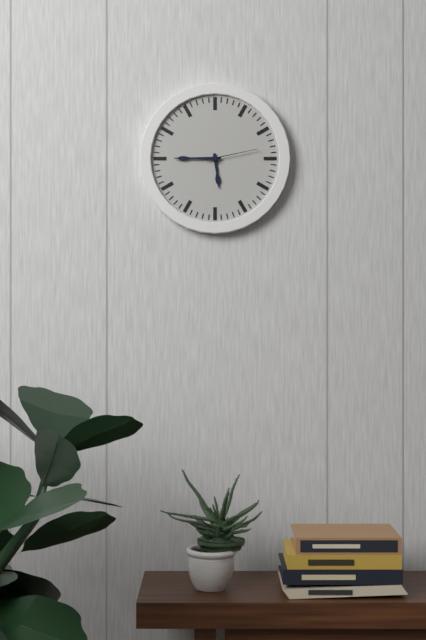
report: 5h45m13s
